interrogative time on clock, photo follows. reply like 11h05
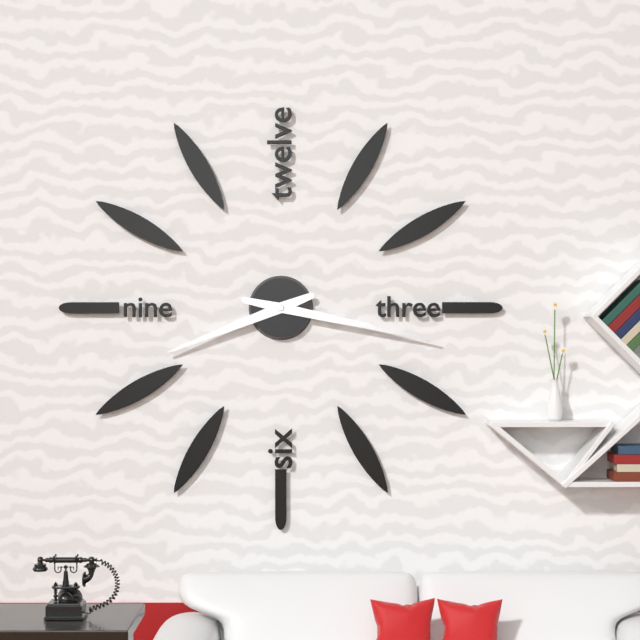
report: 8h17
